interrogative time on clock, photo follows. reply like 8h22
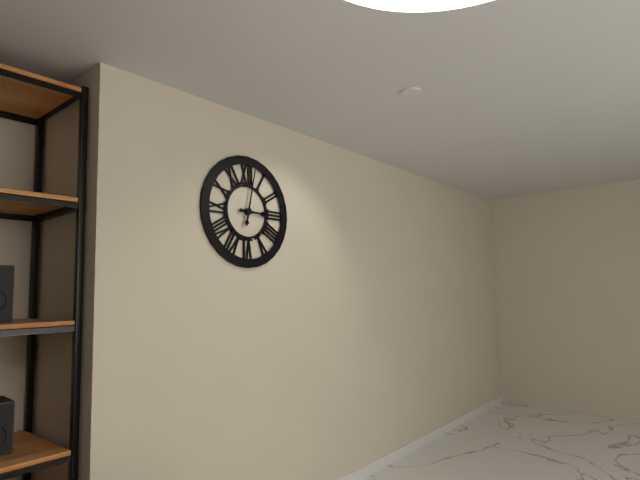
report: 3h02
